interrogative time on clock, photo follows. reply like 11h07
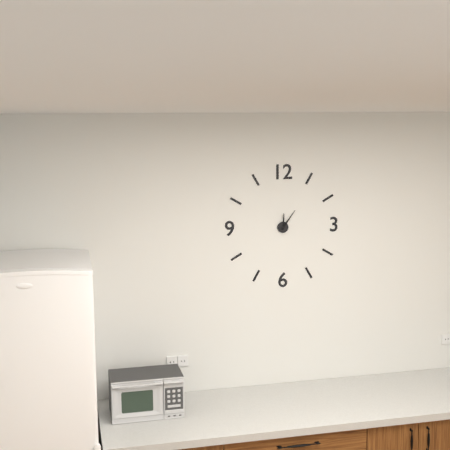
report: 12h06
